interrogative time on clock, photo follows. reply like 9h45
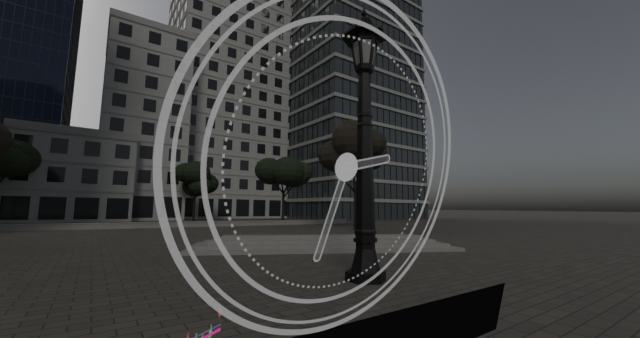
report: 2h32
